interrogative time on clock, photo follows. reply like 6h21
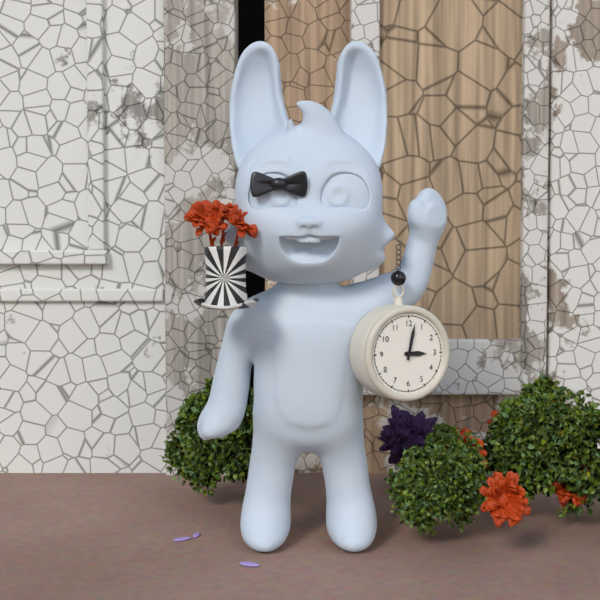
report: 3h02
